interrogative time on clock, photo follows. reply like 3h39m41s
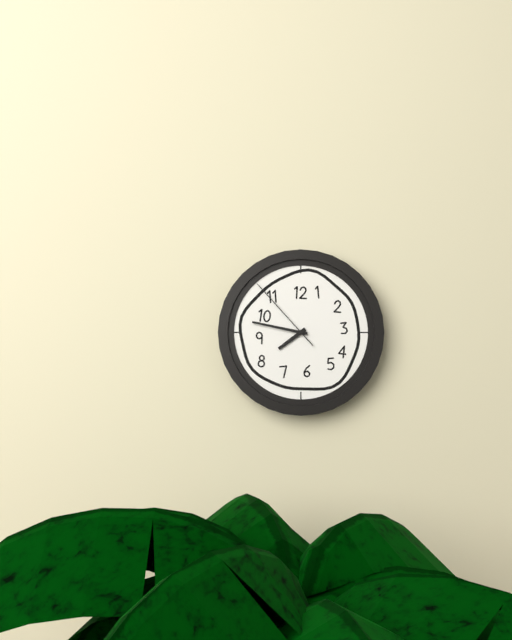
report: 7h47m53s
